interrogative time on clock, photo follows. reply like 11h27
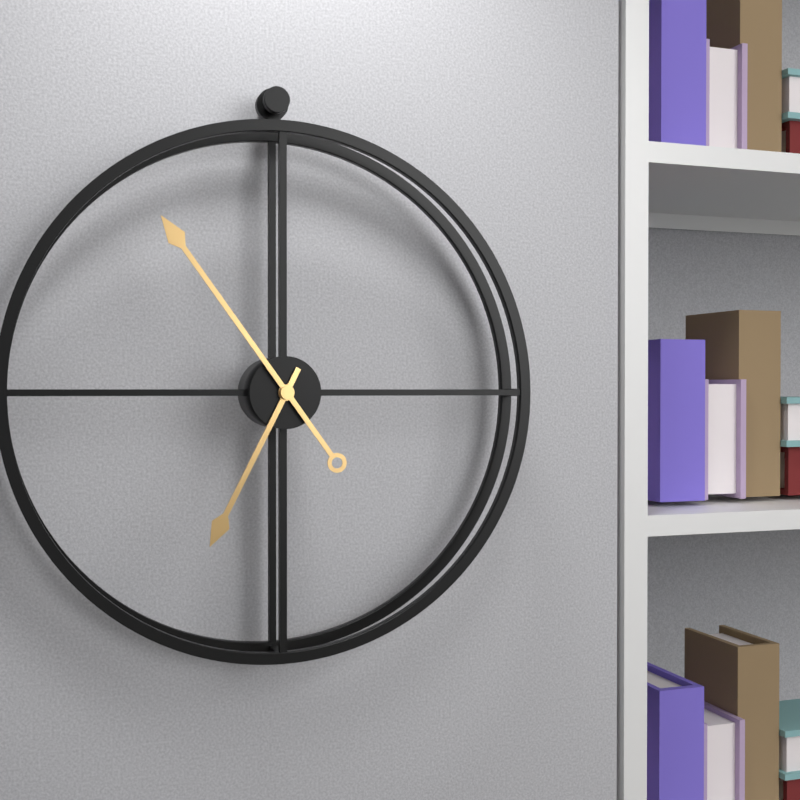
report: 6h54
